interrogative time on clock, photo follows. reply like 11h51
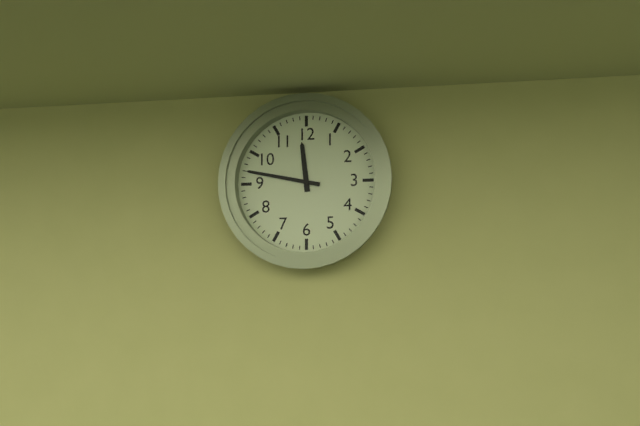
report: 11h47
